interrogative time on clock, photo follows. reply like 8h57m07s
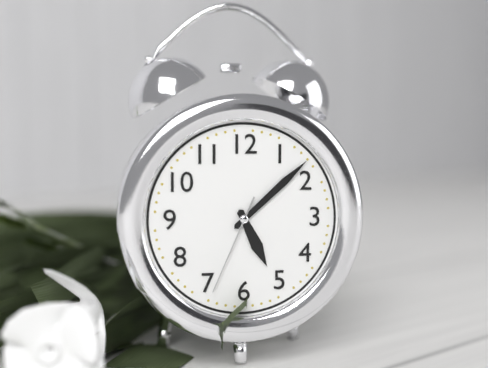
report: 5h08m34s
